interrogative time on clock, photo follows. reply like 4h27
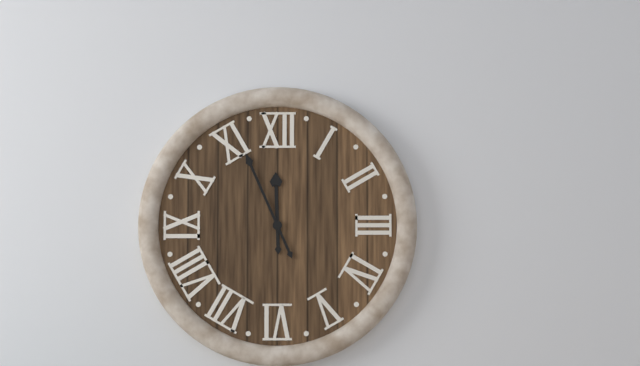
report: 11h56
